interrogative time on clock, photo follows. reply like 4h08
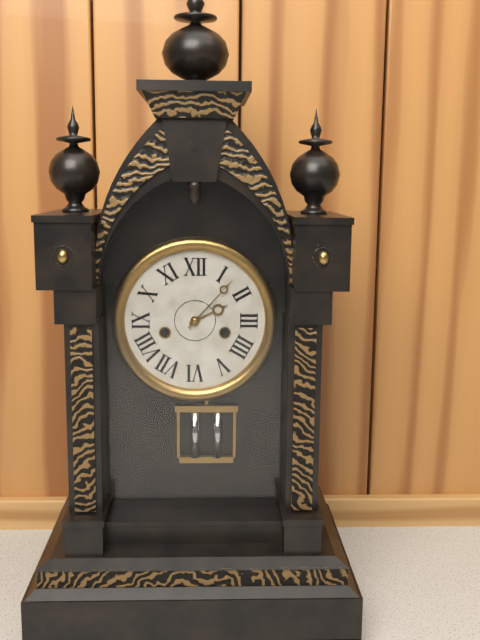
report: 2h07
